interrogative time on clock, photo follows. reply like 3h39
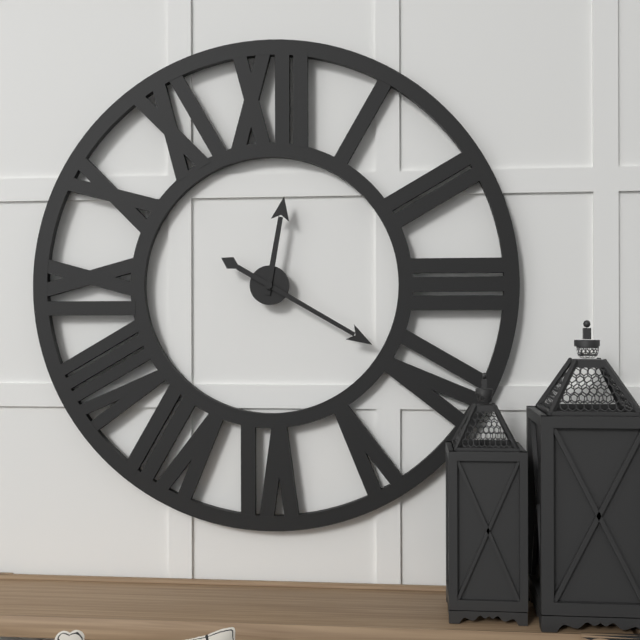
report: 12h20
